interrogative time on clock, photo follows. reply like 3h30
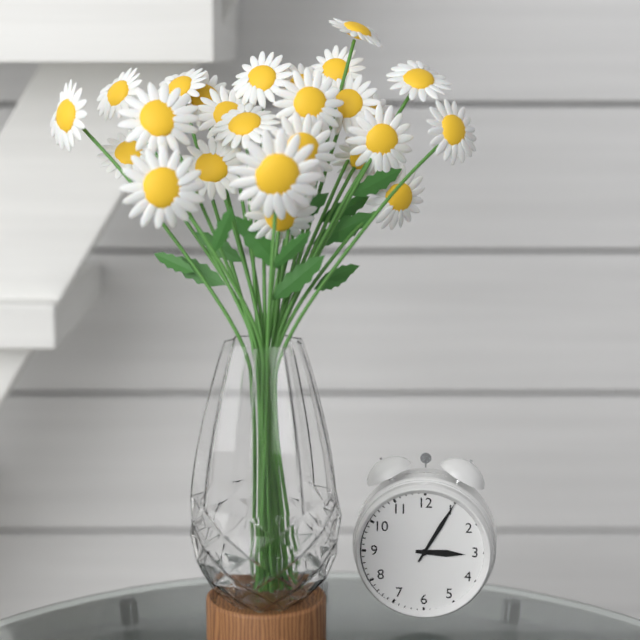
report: 3h05
